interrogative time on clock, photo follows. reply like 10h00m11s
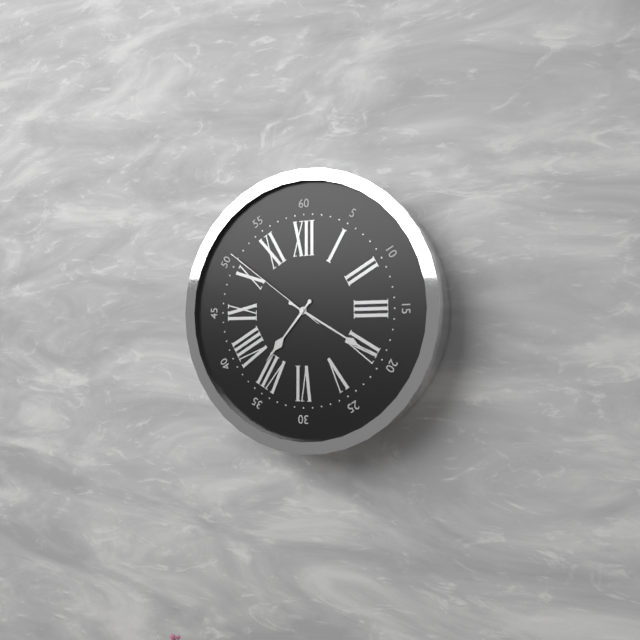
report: 7h20m51s
